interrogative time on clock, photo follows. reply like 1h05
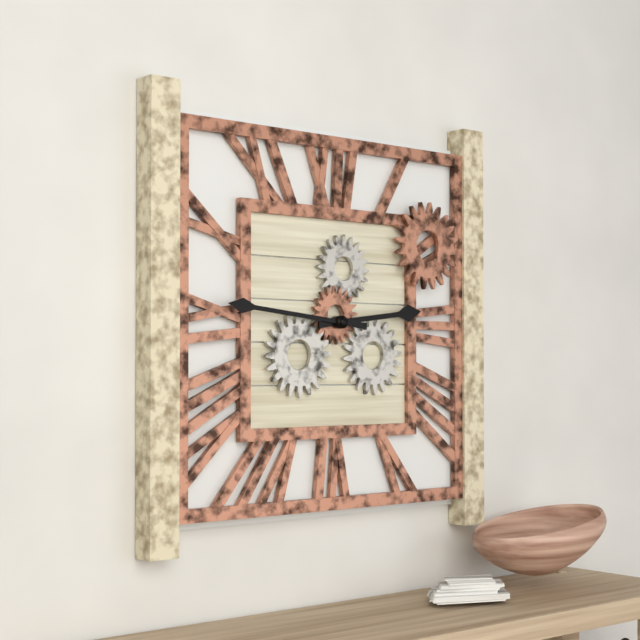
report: 2h46
